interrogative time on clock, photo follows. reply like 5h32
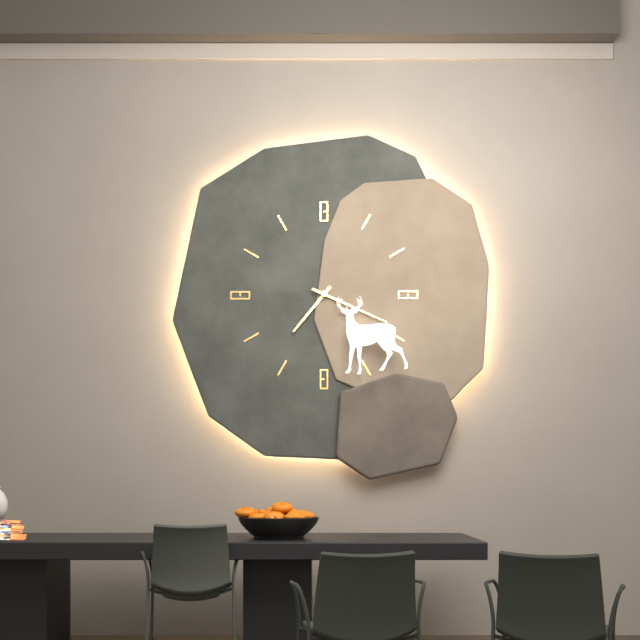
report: 7h19
